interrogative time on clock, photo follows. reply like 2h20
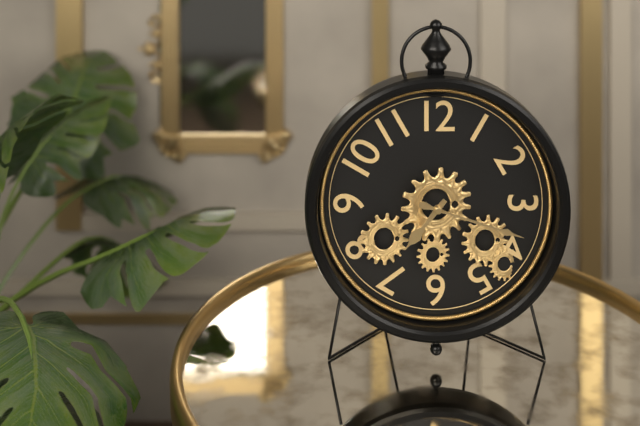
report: 7h18
